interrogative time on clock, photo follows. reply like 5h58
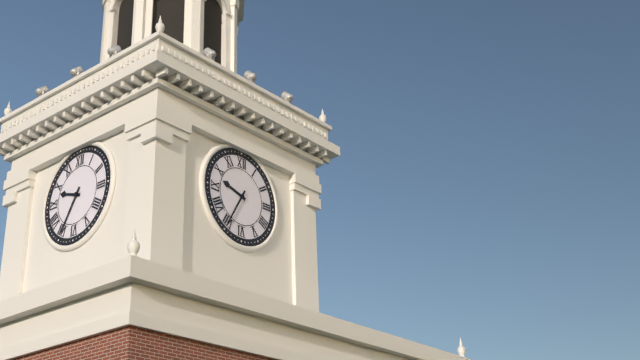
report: 9h35
